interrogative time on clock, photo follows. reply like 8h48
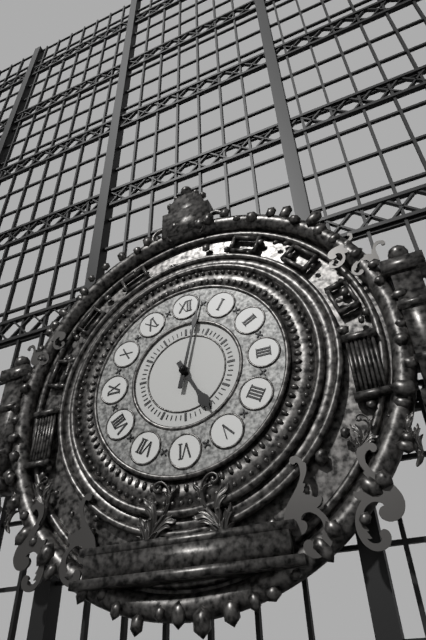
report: 5h02
